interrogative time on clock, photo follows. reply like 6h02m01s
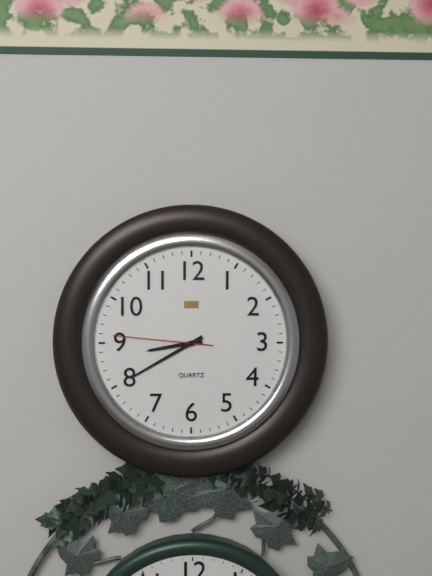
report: 8h40m46s
